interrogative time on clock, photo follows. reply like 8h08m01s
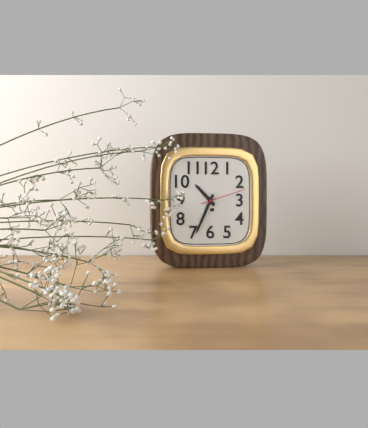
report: 10h34m12s
